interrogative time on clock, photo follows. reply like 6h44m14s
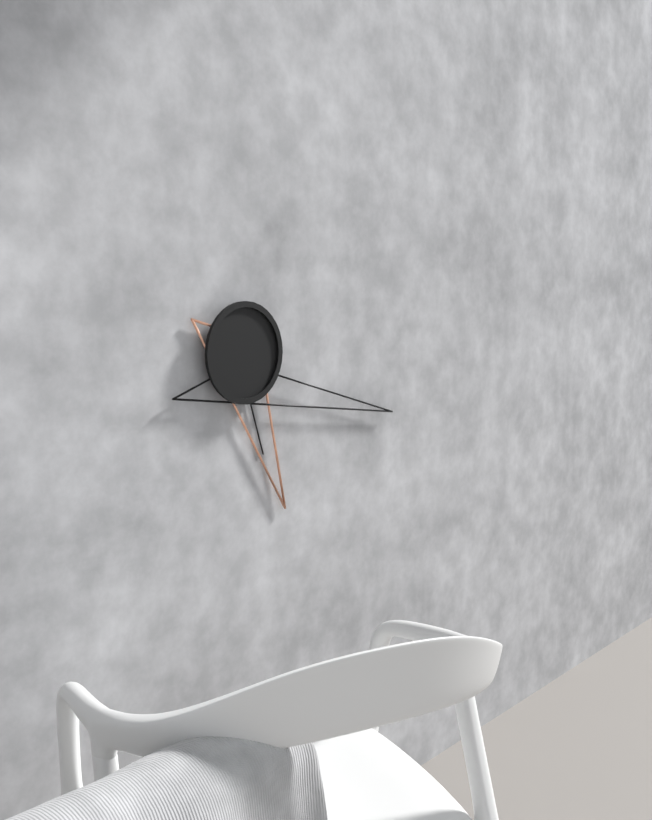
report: 5h18m27s
